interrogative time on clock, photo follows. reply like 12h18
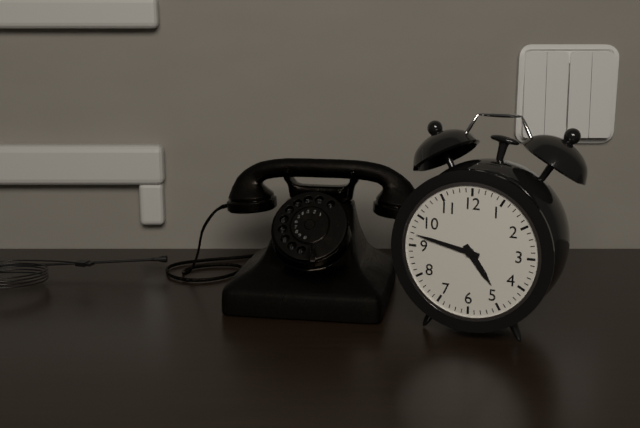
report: 4h47
